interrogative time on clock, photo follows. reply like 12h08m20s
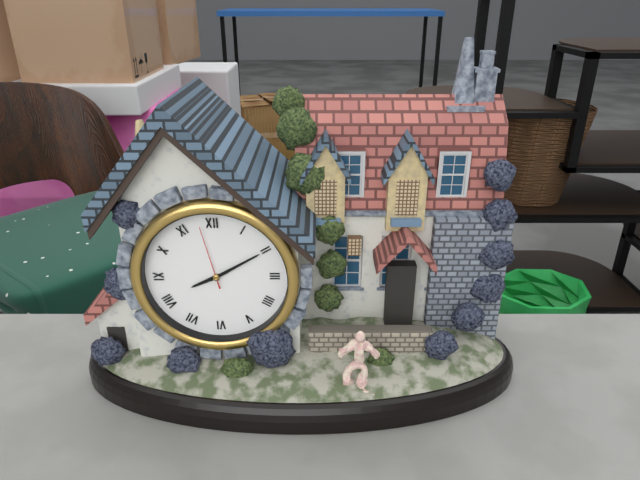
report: 8h10m58s
